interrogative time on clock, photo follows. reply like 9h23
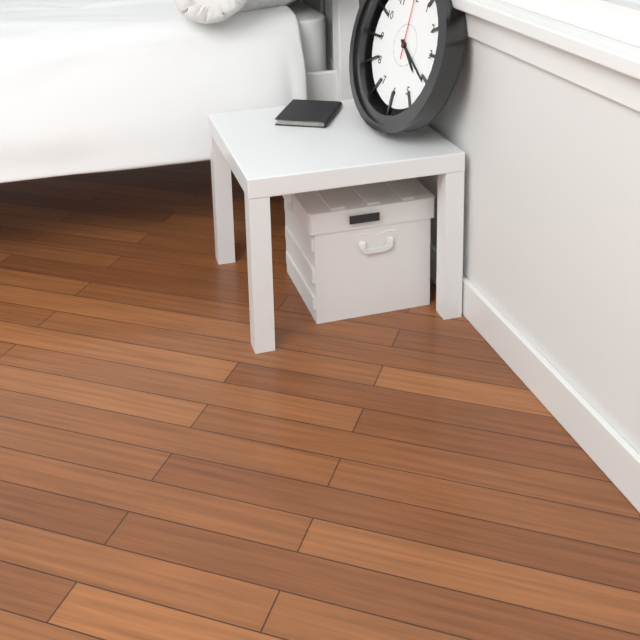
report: 4h20
